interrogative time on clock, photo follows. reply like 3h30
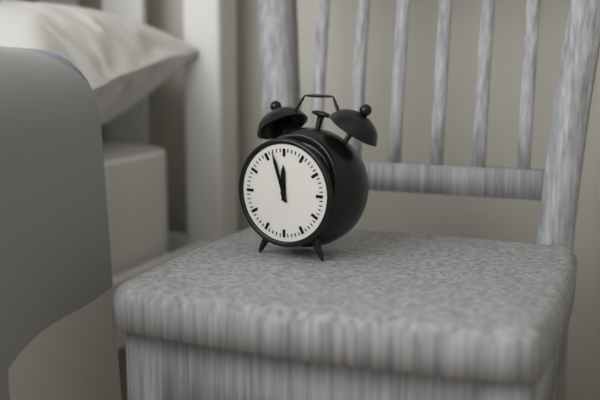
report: 11h57
